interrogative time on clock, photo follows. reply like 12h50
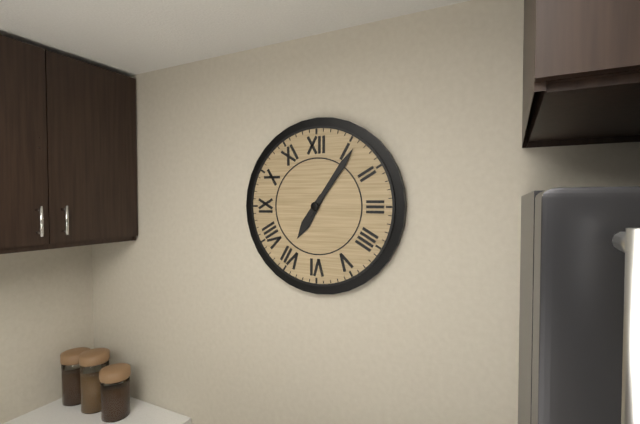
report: 7h06
